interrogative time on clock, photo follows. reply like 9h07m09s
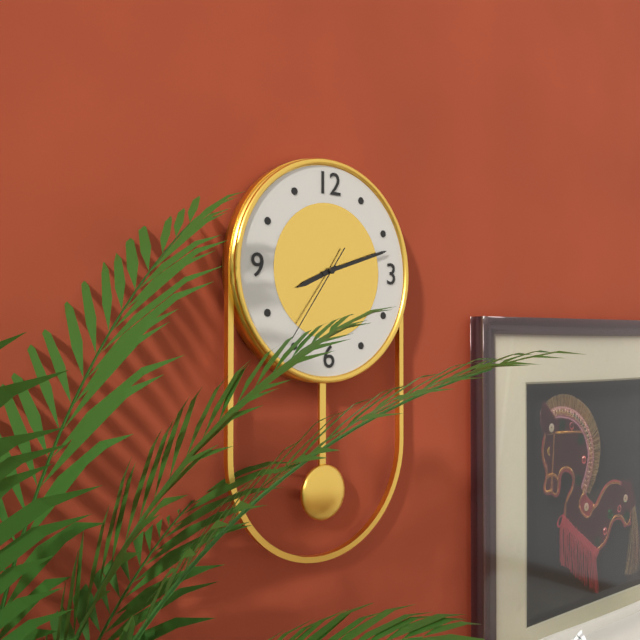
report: 8h12m36s
